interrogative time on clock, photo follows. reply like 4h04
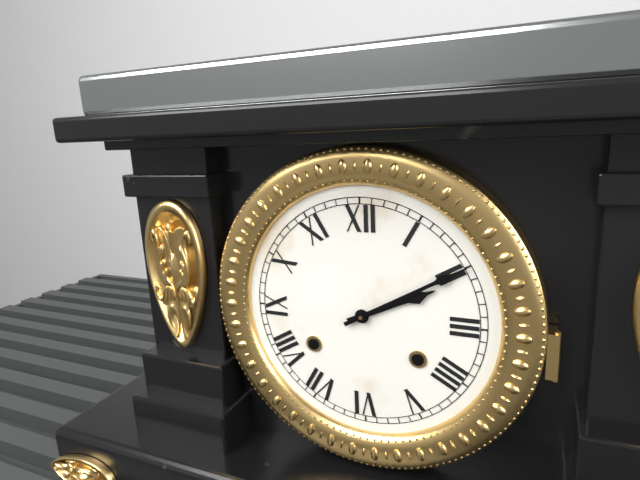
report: 2h10
